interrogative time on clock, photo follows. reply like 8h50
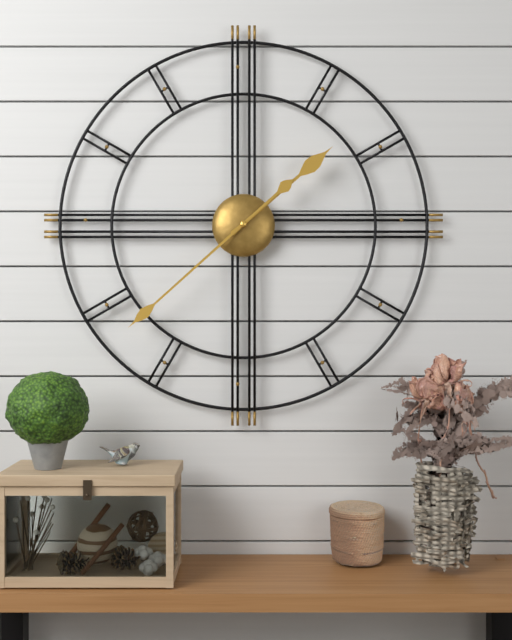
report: 1h38
